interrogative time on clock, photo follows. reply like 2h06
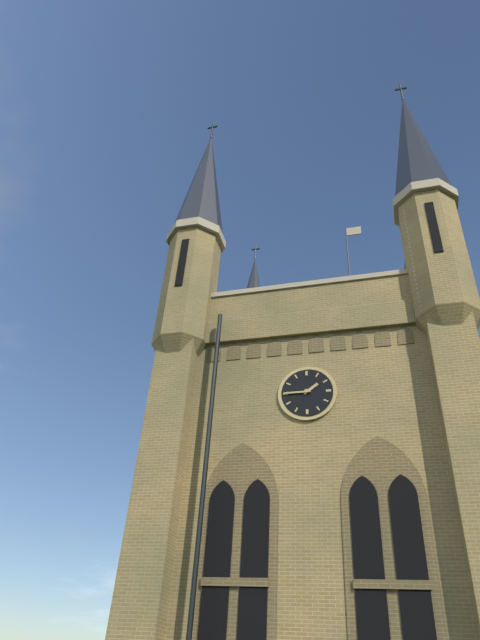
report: 1h45
